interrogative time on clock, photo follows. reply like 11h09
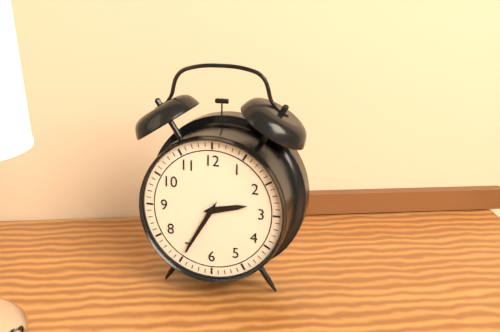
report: 2h35
